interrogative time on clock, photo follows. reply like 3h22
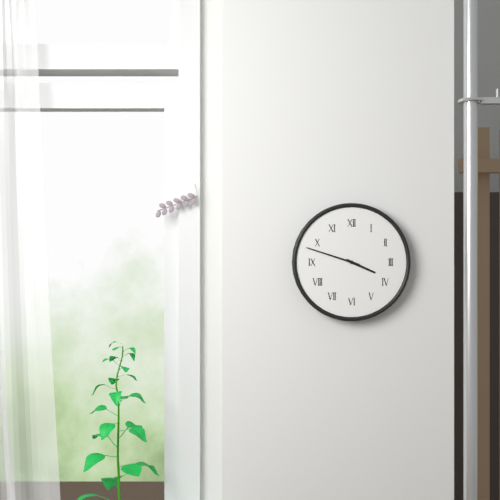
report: 3h48
